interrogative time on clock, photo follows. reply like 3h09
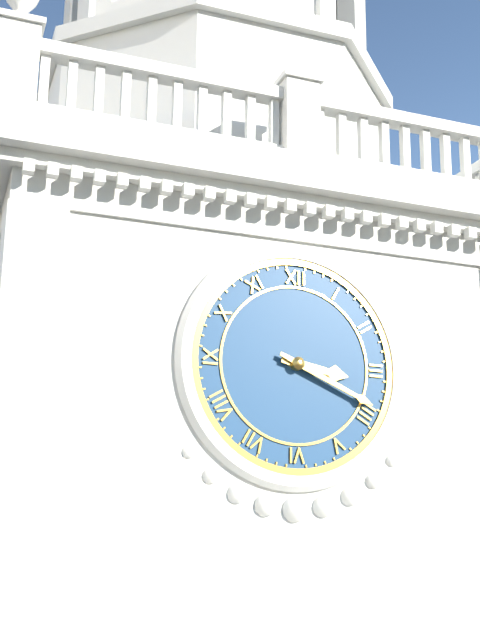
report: 3h19
